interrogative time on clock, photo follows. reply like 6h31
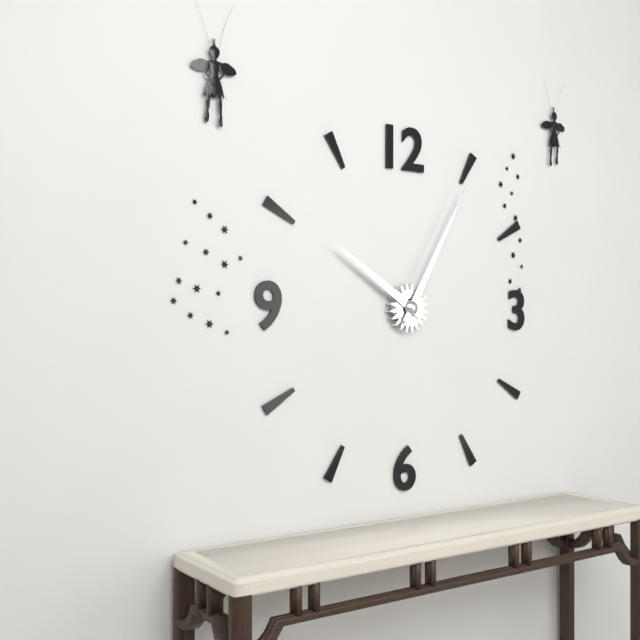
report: 10h05
